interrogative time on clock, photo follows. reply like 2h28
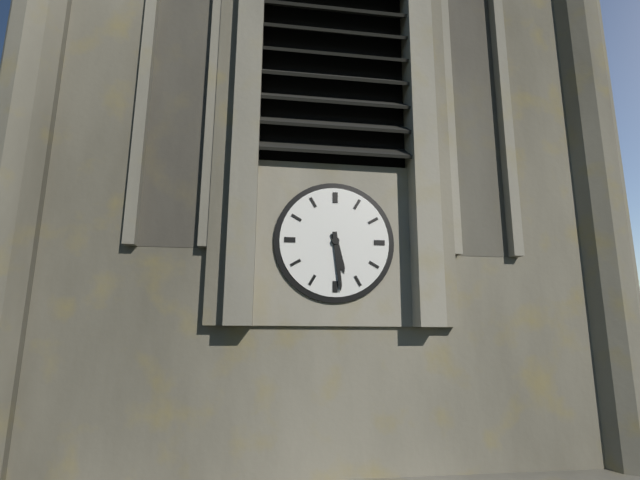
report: 5h29
